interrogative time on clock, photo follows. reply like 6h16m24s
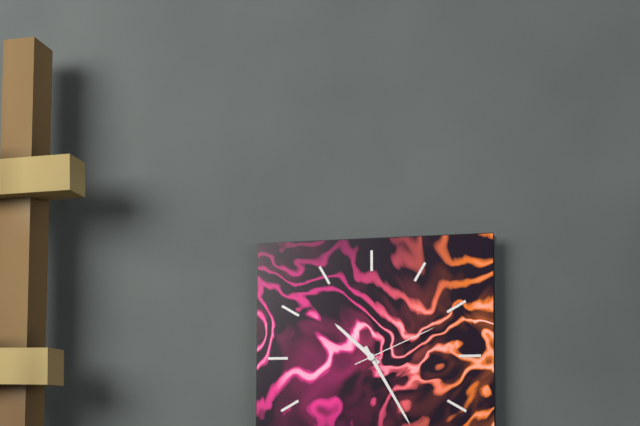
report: 10h25m11s
